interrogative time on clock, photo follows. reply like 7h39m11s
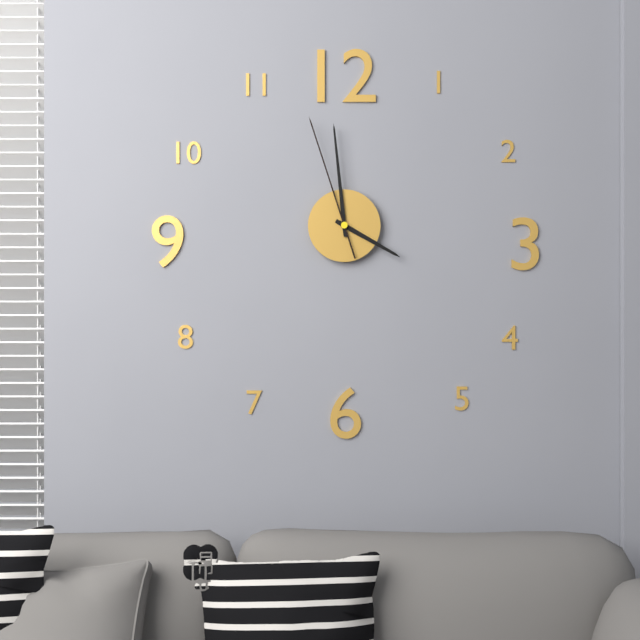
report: 3h59m57s
